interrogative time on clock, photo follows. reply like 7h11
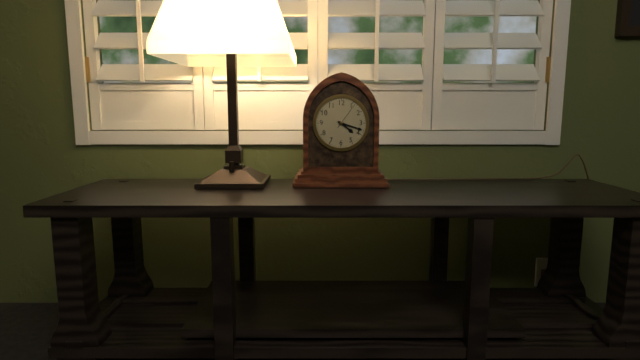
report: 4h18
